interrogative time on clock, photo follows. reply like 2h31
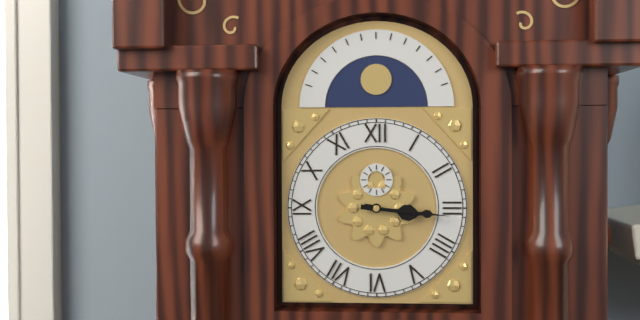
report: 3h16
